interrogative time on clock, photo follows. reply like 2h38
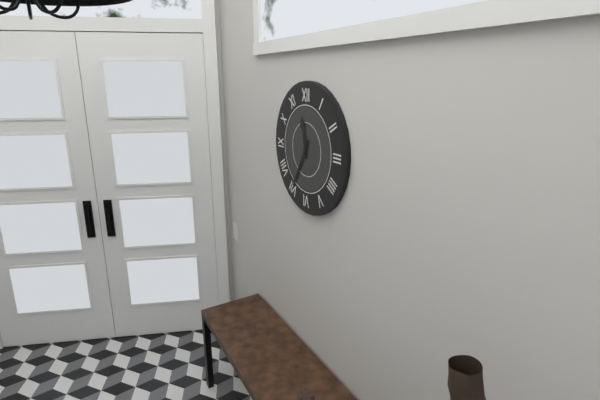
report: 11h35
